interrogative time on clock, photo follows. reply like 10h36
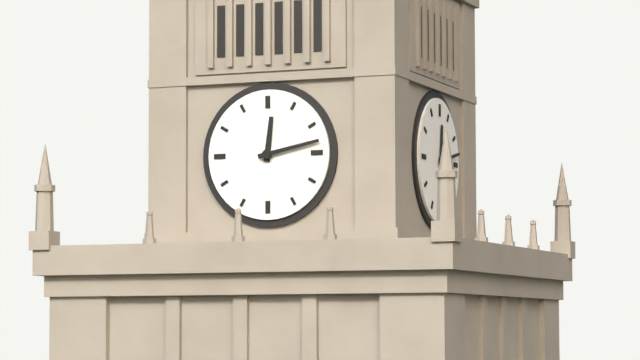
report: 12h13
